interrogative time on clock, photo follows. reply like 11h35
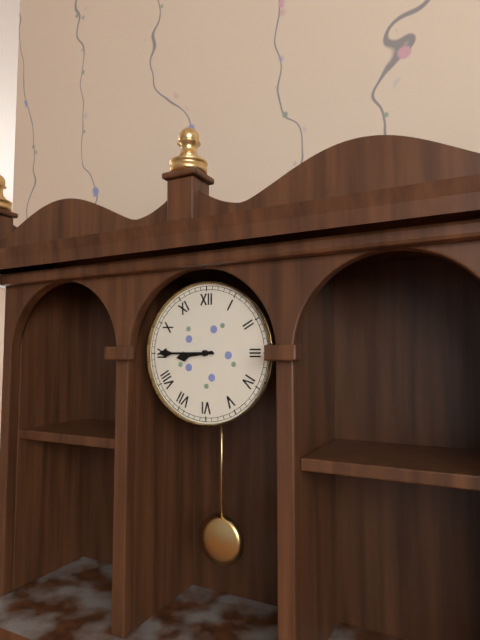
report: 8h45
